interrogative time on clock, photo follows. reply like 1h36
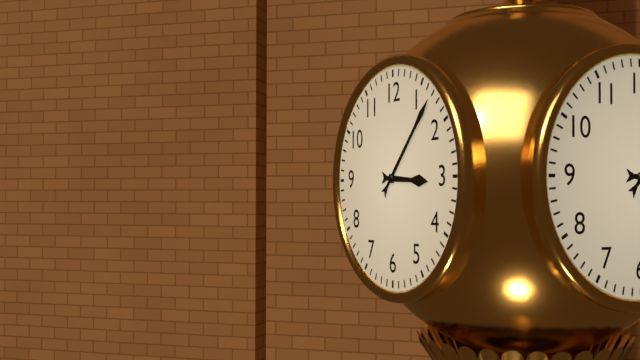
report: 3h07
